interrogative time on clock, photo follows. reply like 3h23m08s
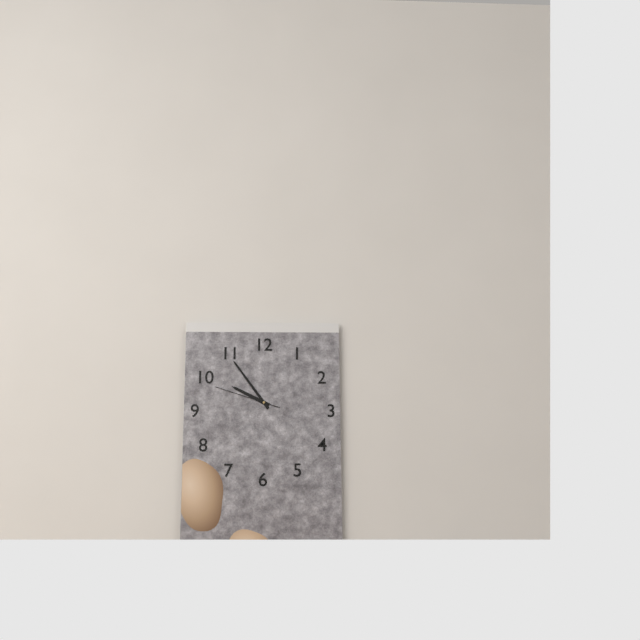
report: 9h54m48s
